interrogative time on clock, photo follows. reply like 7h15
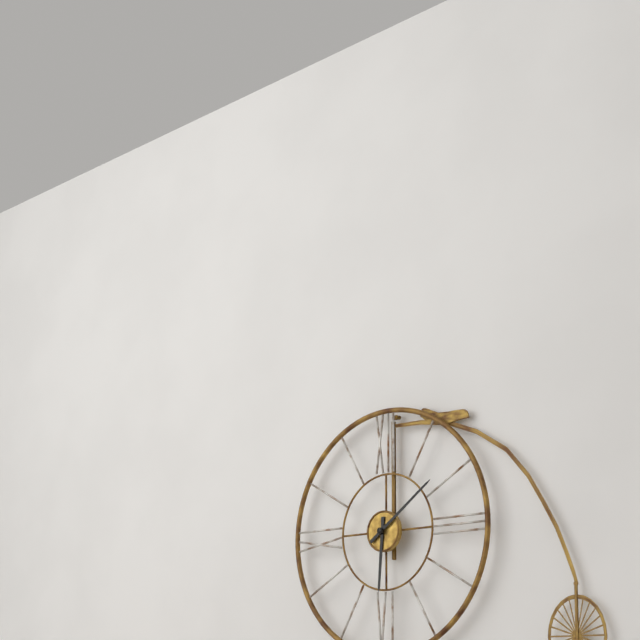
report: 6h09
